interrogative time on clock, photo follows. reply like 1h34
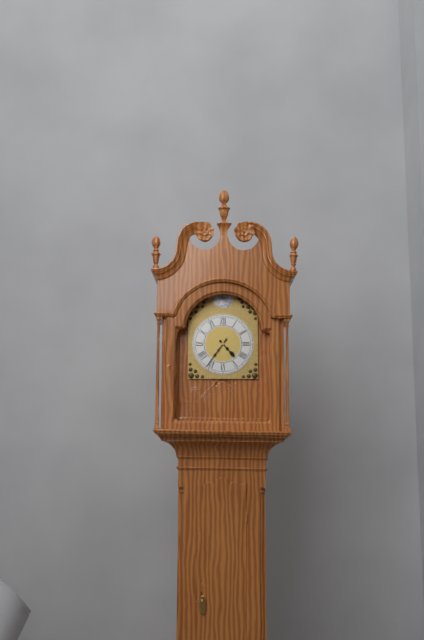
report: 4h36
